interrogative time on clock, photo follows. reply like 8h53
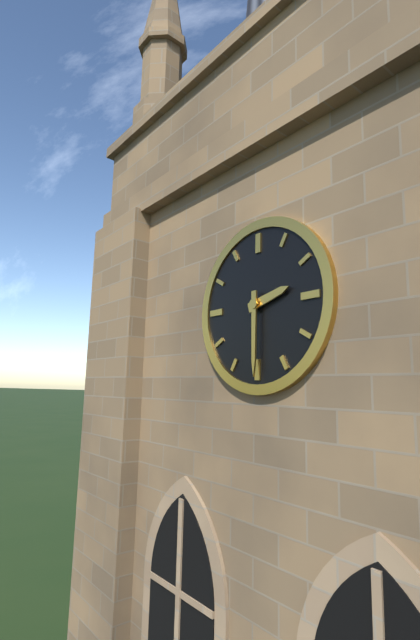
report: 2h30
